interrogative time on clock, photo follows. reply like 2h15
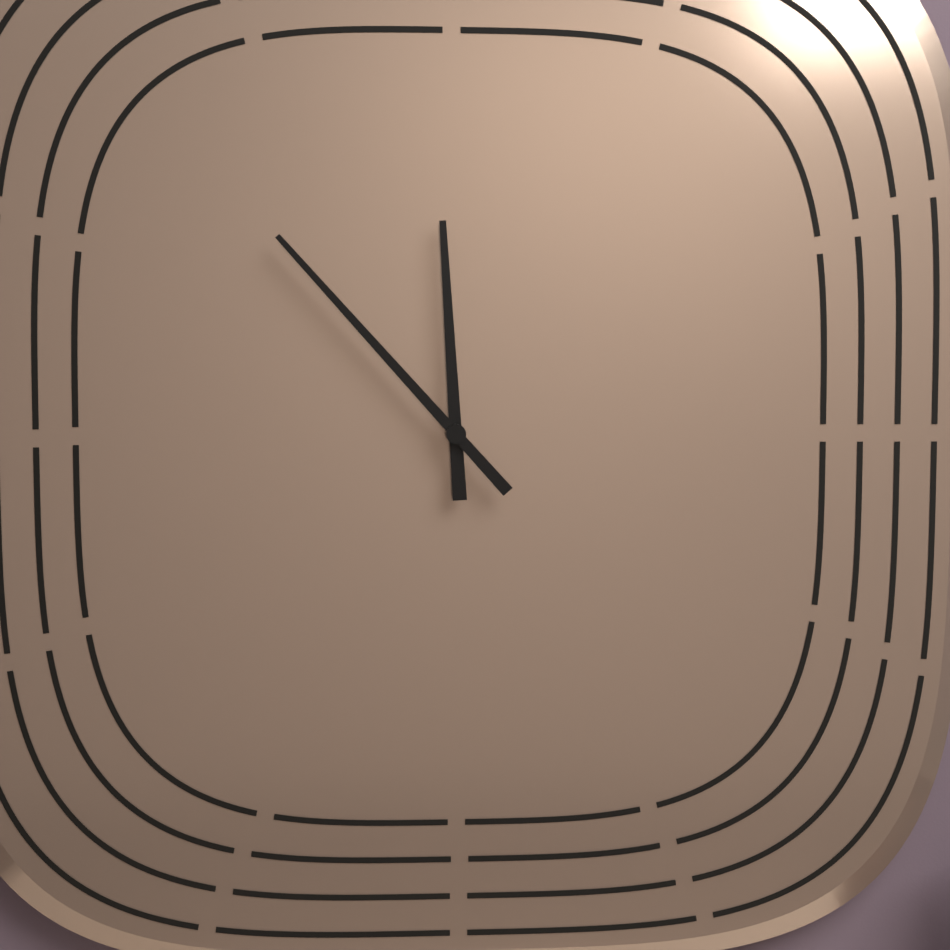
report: 11h53
